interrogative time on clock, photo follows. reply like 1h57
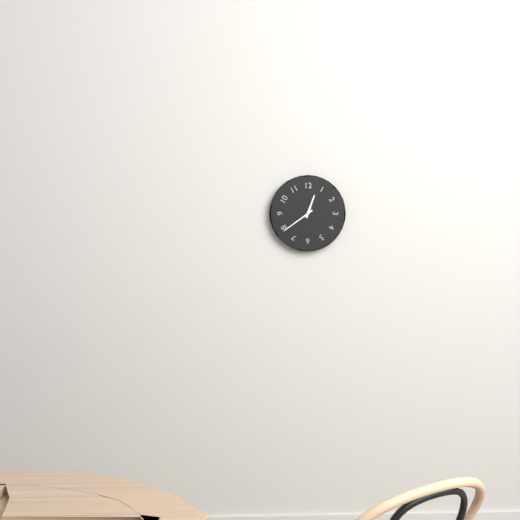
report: 12h39
